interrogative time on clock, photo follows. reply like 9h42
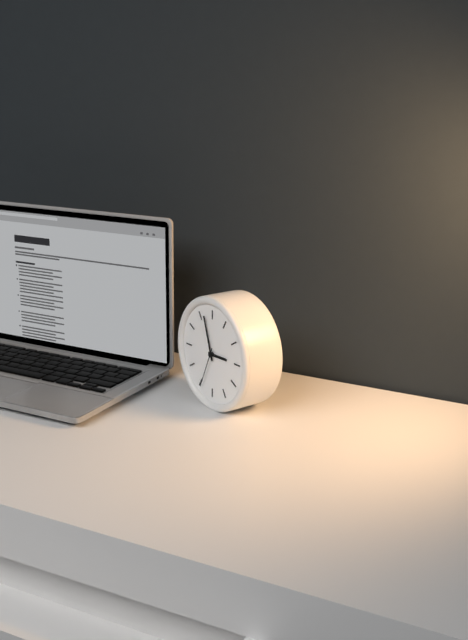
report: 2h57
